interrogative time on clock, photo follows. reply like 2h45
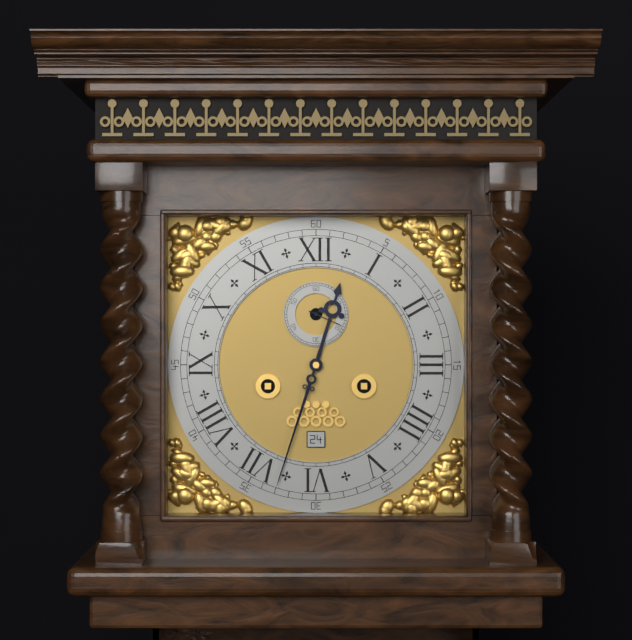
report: 12h33
